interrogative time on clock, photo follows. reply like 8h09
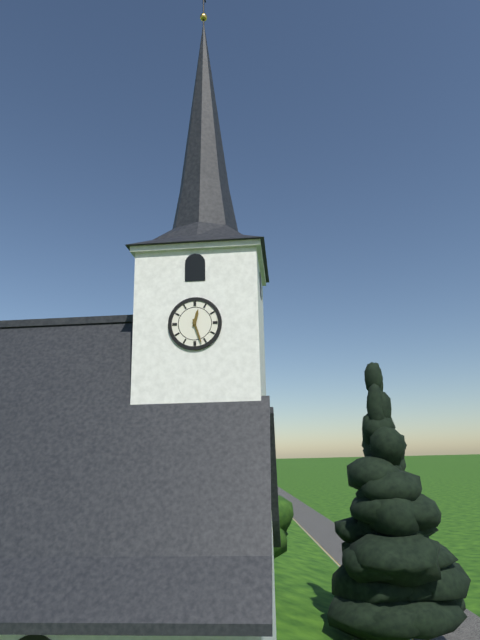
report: 12h27
